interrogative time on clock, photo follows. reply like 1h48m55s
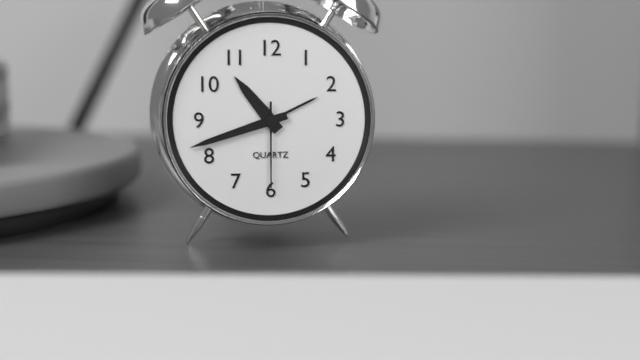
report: 10h42m30s
